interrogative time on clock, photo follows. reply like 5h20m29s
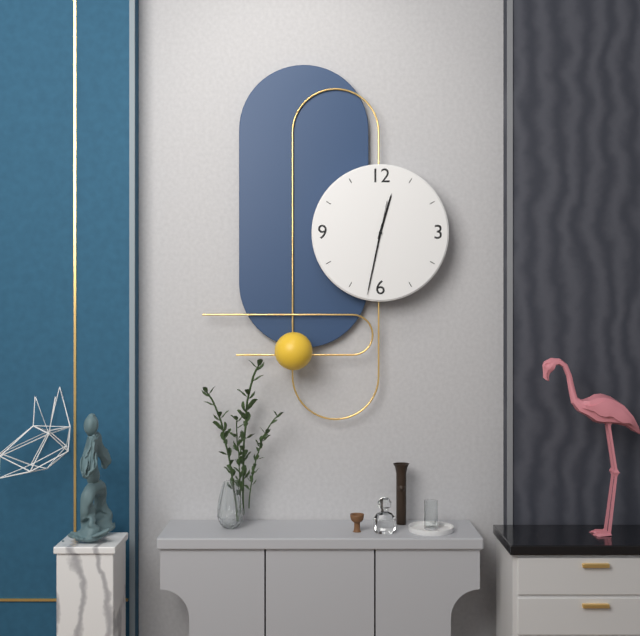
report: 12h32m32s
